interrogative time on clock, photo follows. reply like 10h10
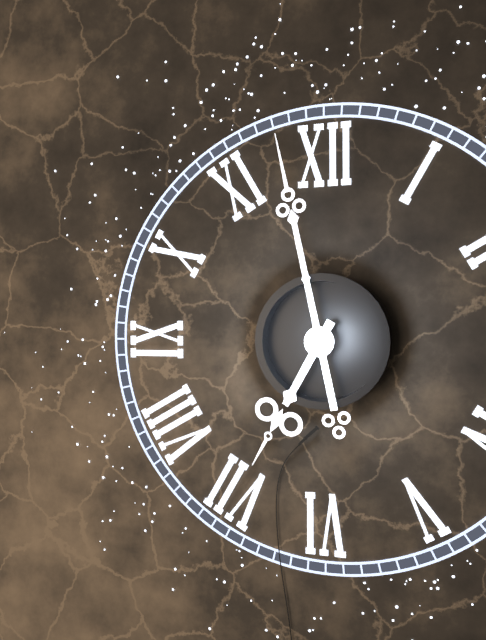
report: 6h58
